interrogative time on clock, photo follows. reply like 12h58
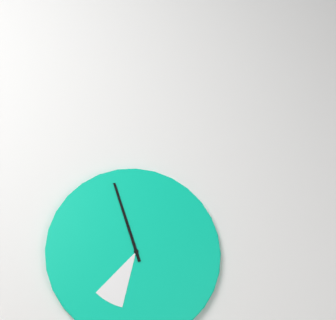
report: 6h57
